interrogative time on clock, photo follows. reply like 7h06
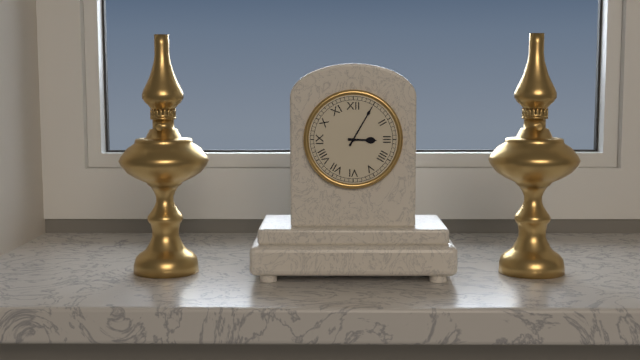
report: 3h05
